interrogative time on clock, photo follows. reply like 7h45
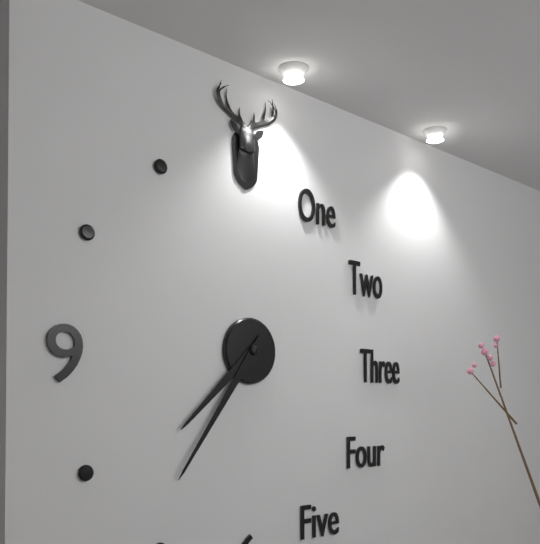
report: 7h36
